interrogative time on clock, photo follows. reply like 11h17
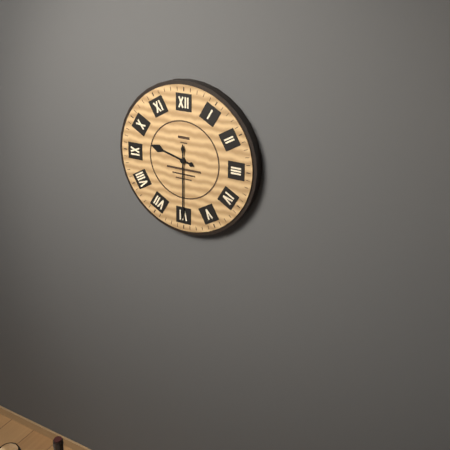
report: 9h30
